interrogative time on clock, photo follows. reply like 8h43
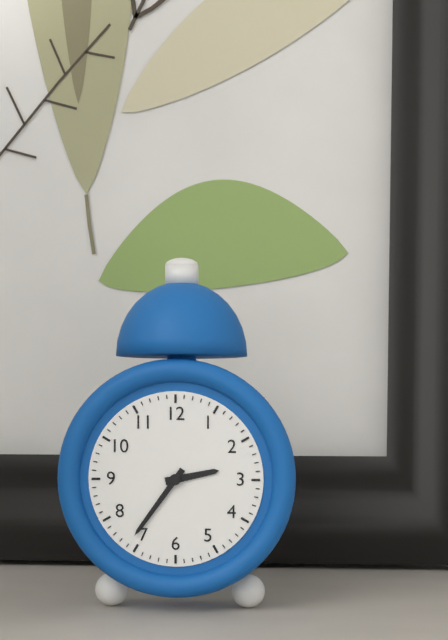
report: 2h36
